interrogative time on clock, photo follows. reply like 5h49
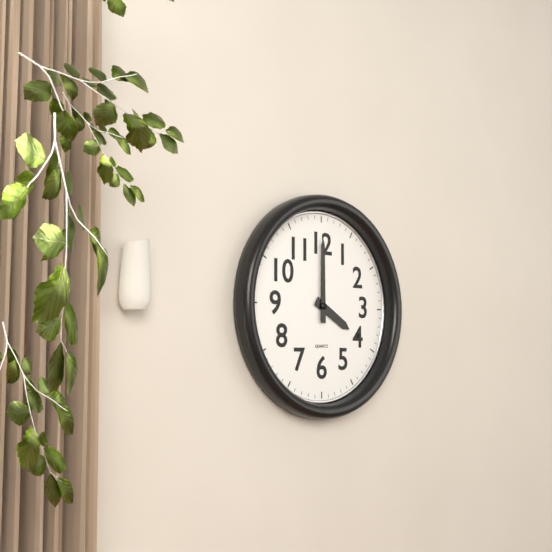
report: 4h00
